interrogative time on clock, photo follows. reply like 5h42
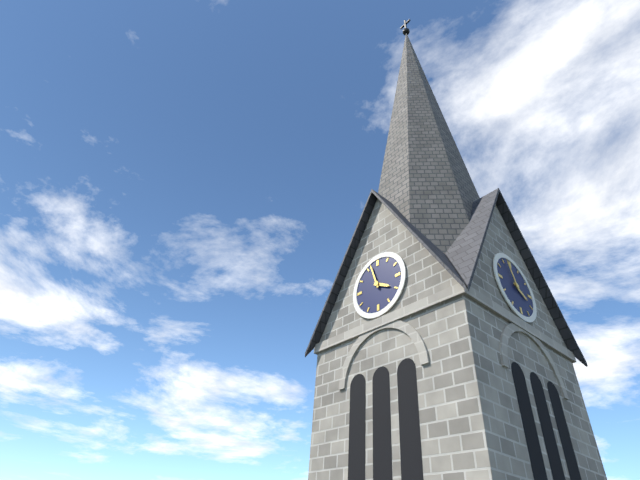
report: 3h57
